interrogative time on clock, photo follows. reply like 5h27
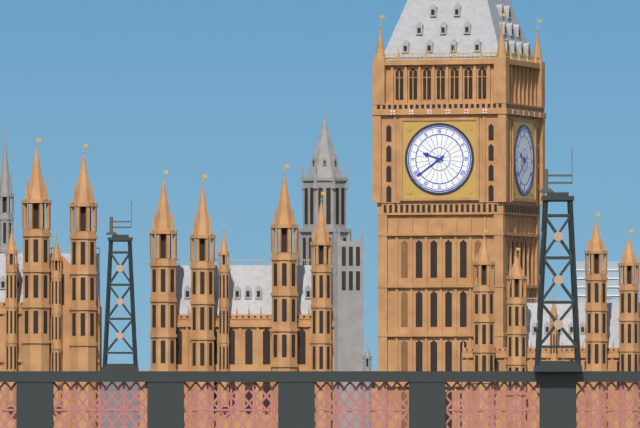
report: 9h39
